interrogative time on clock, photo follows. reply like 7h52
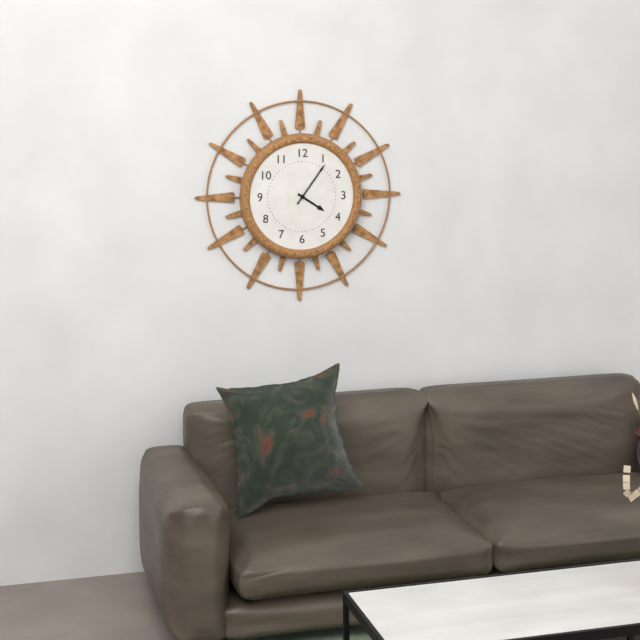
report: 4h06
